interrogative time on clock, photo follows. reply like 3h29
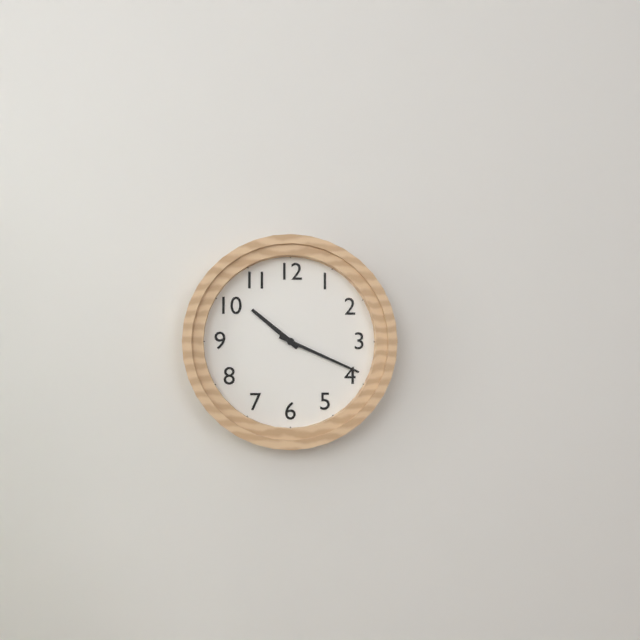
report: 10h19
